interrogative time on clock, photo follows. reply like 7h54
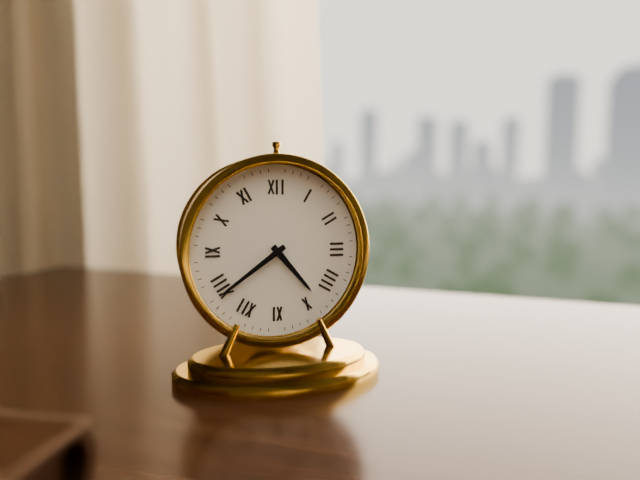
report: 4h39
